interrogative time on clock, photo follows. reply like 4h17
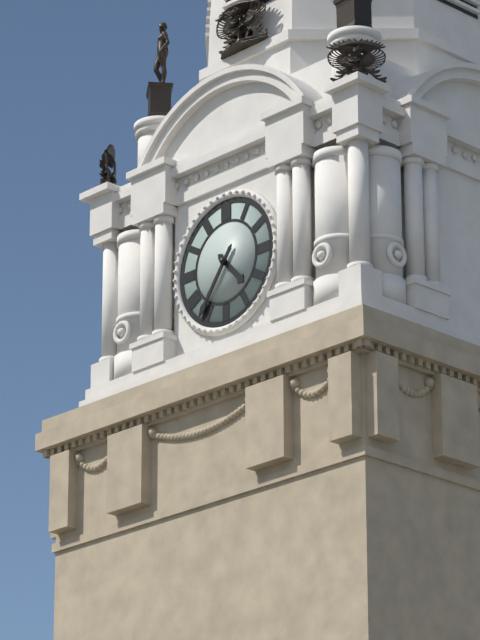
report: 4h36
